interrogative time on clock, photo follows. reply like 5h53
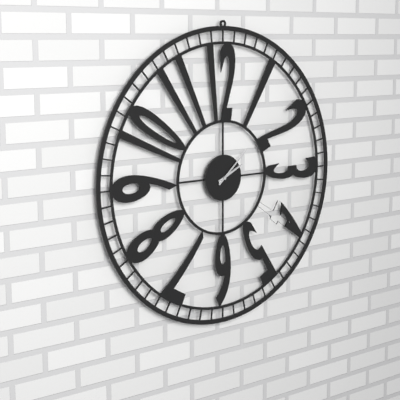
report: 2h08
